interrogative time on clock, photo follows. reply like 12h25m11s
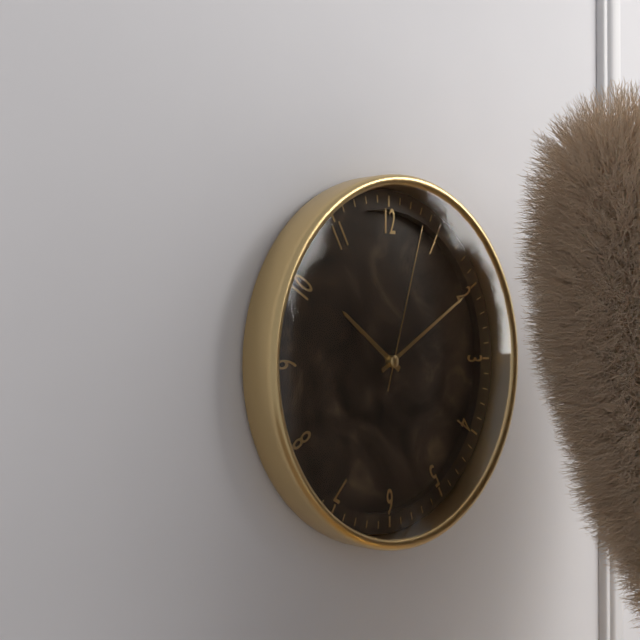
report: 10h10m03s
